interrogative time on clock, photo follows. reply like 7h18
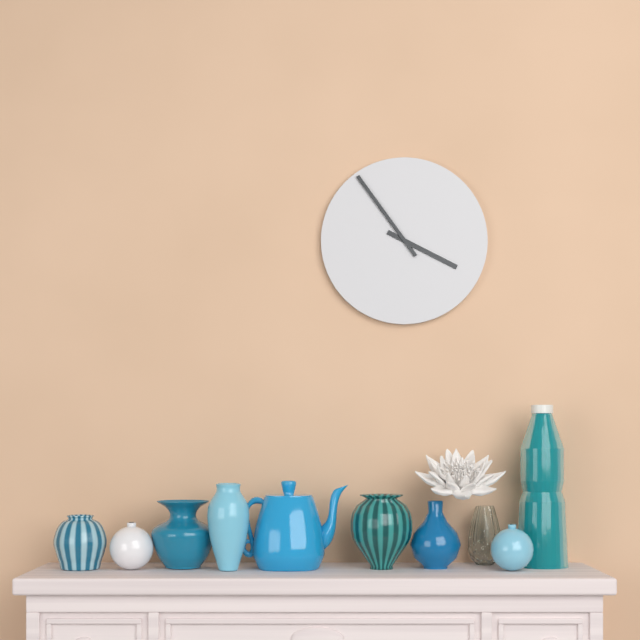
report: 3h54
